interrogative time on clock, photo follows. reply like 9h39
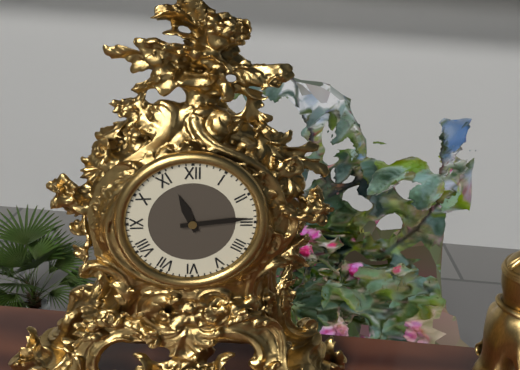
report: 11h14
